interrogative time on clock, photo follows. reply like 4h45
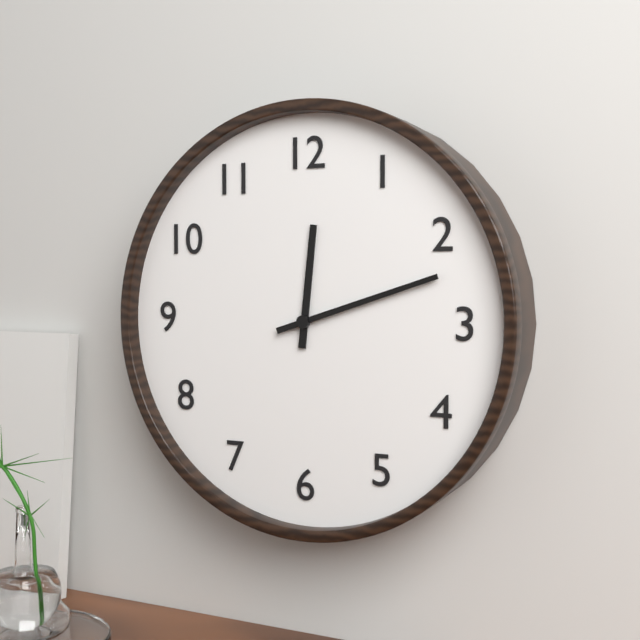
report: 12h12
